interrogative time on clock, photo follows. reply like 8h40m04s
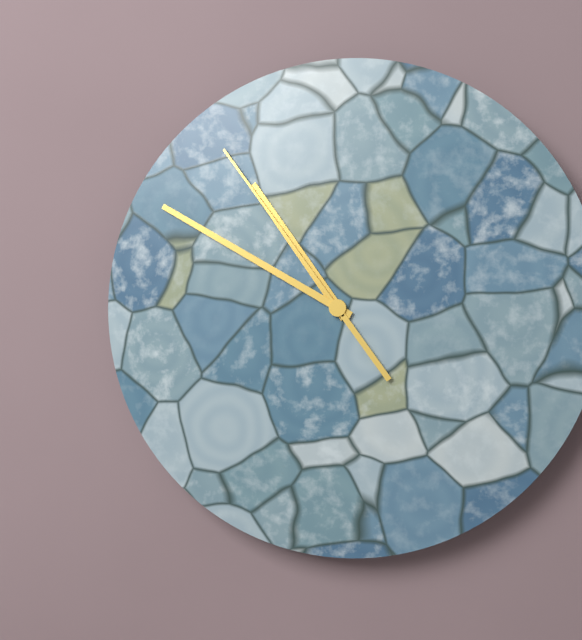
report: 10h50m54s
